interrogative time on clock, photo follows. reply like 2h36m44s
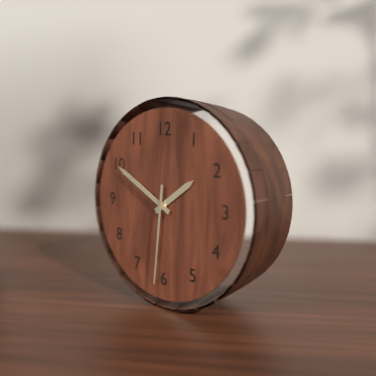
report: 1h50m31s
